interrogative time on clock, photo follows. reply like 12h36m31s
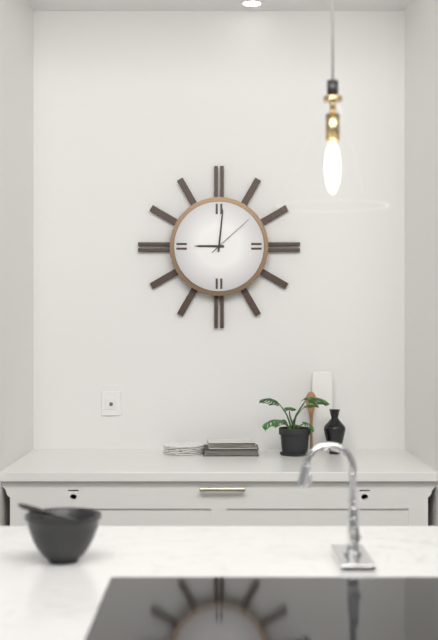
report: 9h01m08s
